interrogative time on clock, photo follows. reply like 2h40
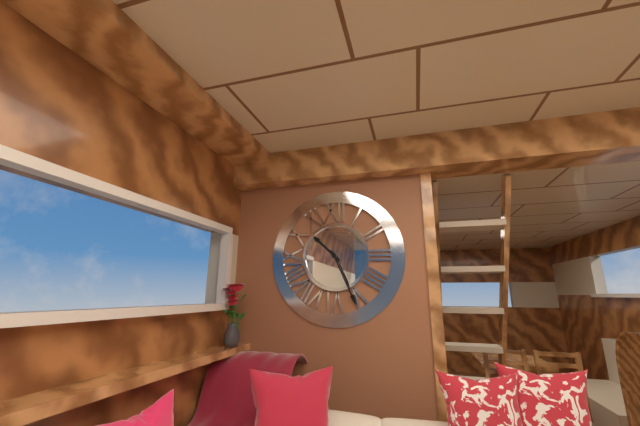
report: 10h26
